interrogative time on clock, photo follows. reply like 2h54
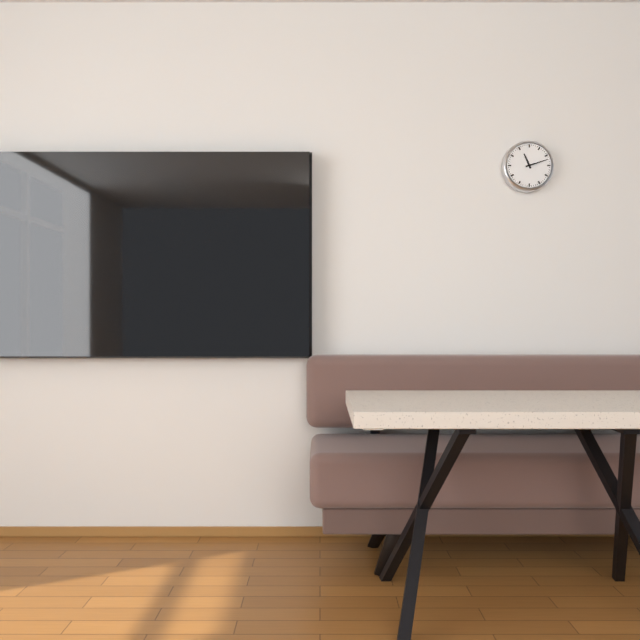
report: 11h12
